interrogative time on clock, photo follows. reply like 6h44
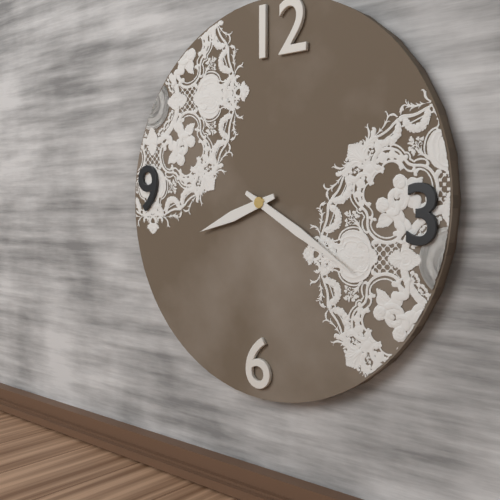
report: 8h20
